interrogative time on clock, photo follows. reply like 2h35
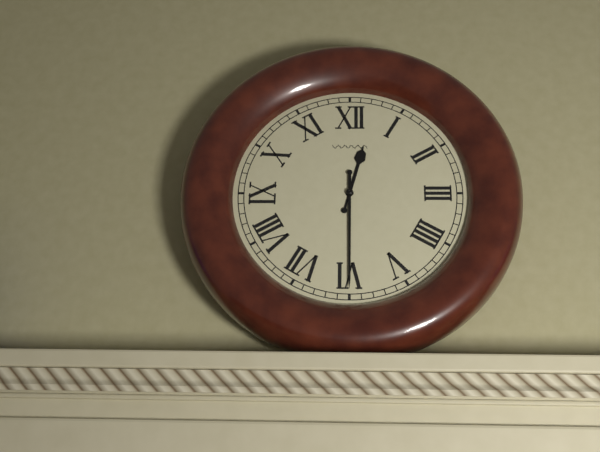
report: 12h30
